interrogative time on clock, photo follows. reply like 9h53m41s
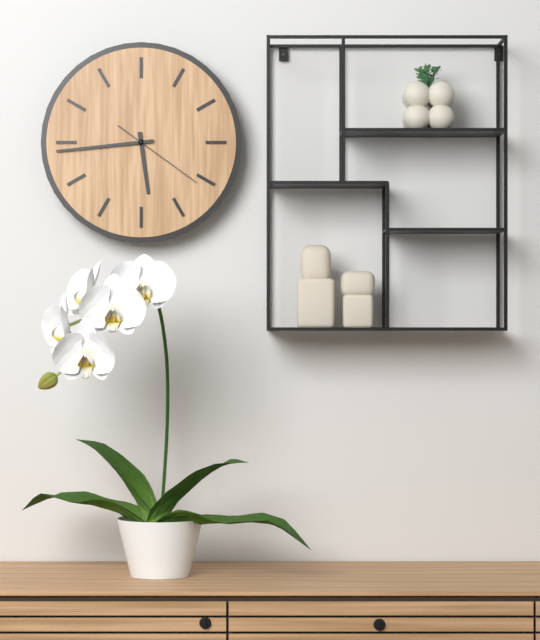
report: 5h44m21s
